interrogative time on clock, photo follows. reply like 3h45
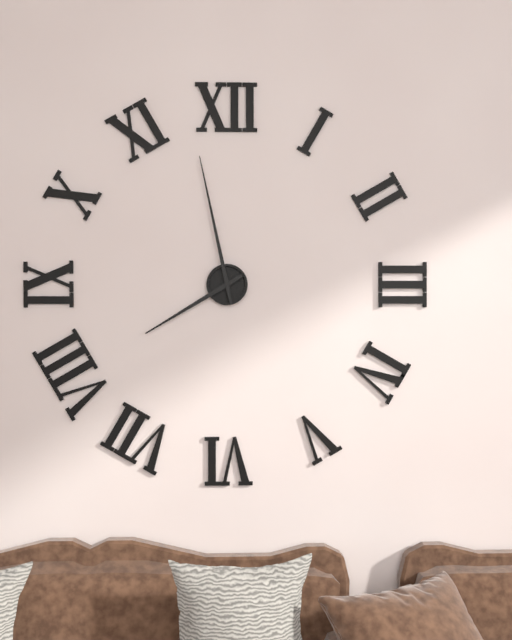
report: 7h58
